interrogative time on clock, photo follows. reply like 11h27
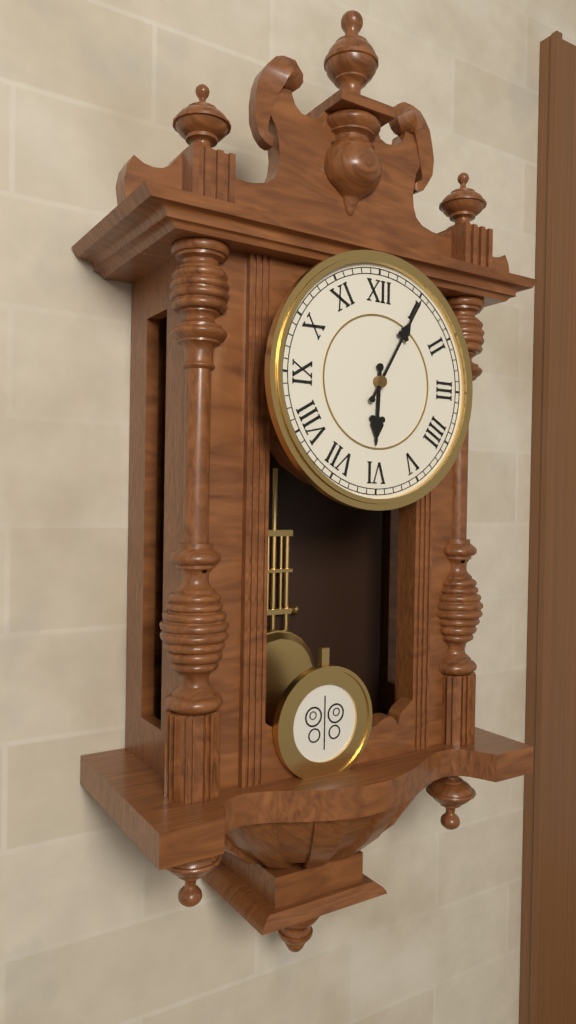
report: 6h05
